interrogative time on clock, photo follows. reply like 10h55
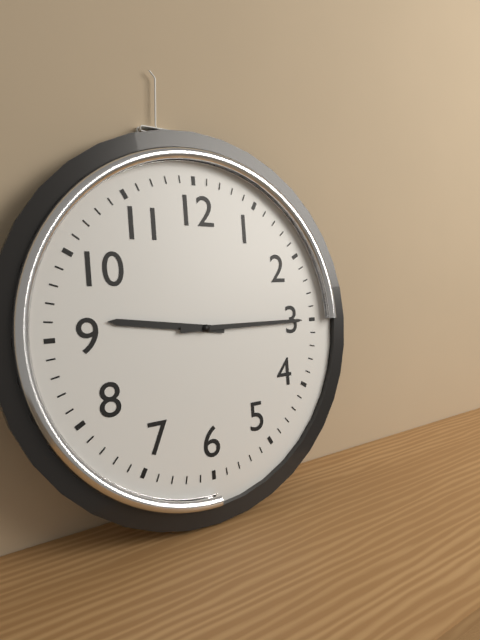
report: 9h15
